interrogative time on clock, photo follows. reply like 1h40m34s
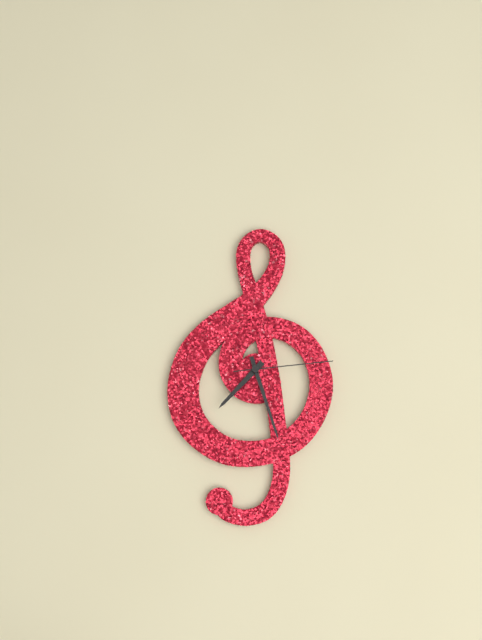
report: 7h27m14s
